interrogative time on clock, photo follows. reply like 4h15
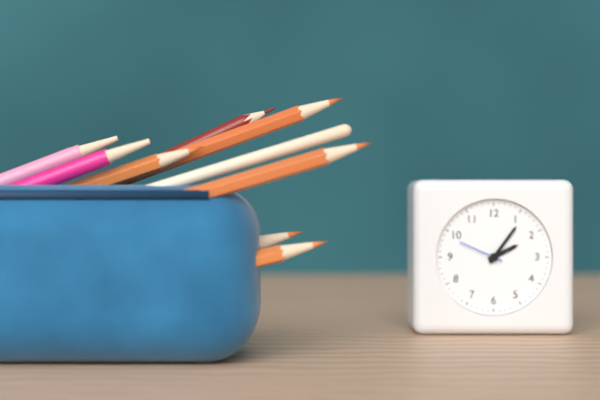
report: 2h06
